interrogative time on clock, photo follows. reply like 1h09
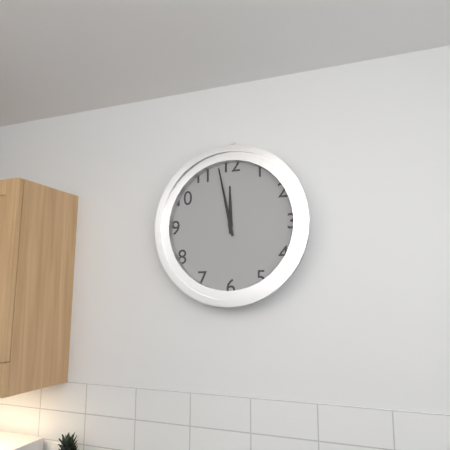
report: 11h58
